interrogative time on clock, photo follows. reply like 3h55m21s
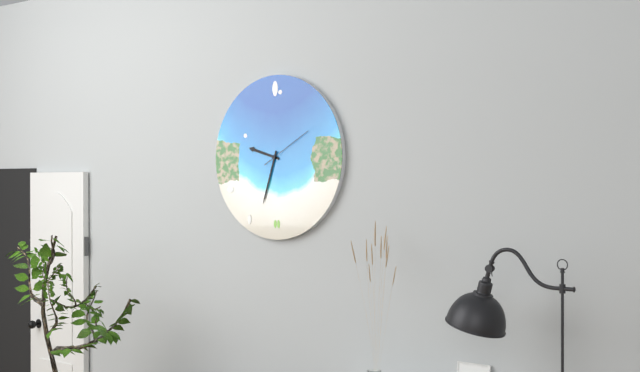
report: 9h33m10s
